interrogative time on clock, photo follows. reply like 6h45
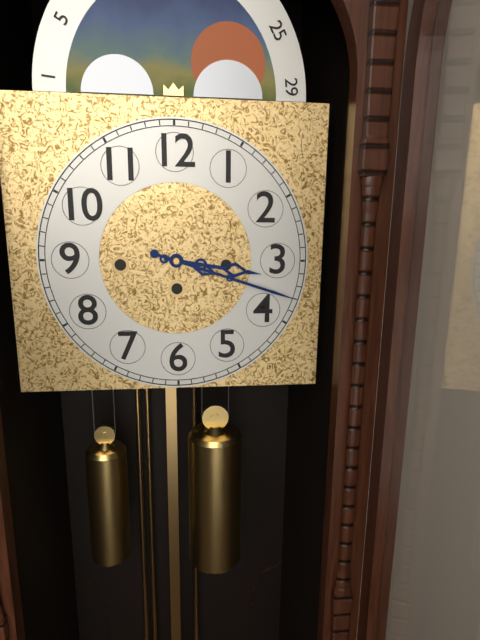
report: 3h18
